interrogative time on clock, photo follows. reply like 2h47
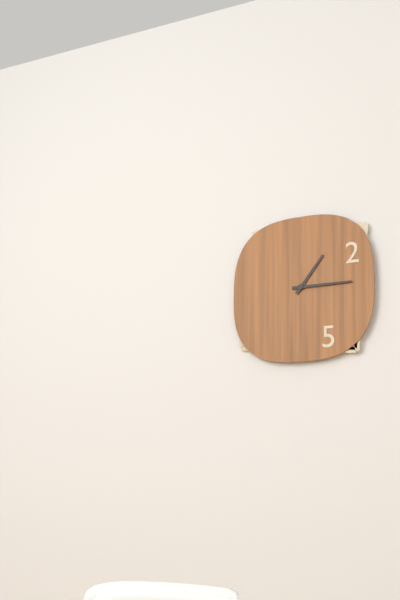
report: 1h15
